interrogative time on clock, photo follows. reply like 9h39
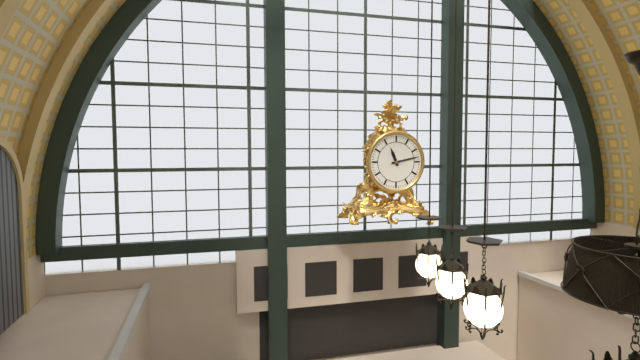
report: 11h13
